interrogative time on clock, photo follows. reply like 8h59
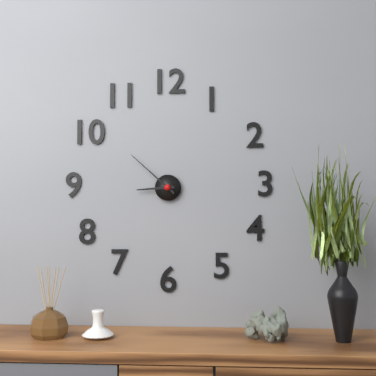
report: 8h52
